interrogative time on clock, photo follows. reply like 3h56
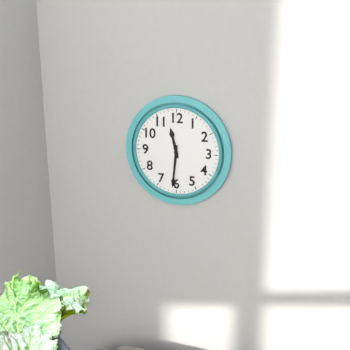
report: 11h31
